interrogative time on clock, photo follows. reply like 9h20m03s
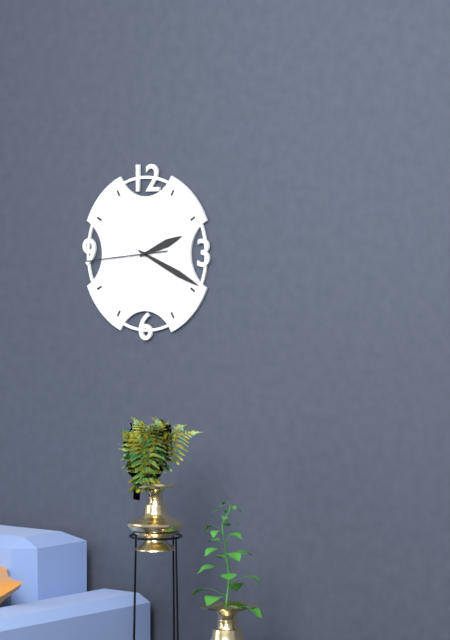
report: 2h19m44s
